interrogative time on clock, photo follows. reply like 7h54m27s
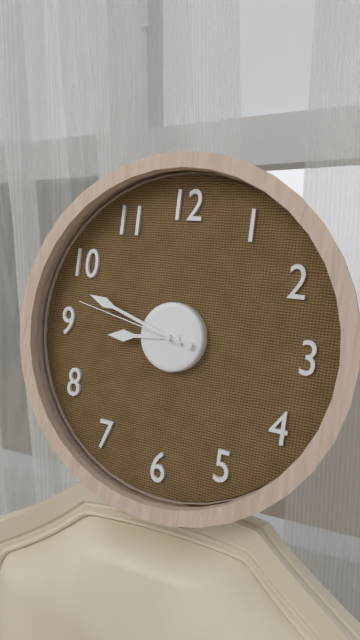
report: 8h48m47s
